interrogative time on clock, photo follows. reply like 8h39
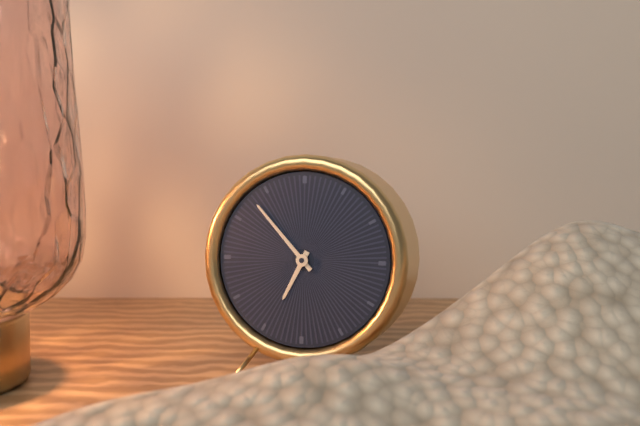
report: 6h53
